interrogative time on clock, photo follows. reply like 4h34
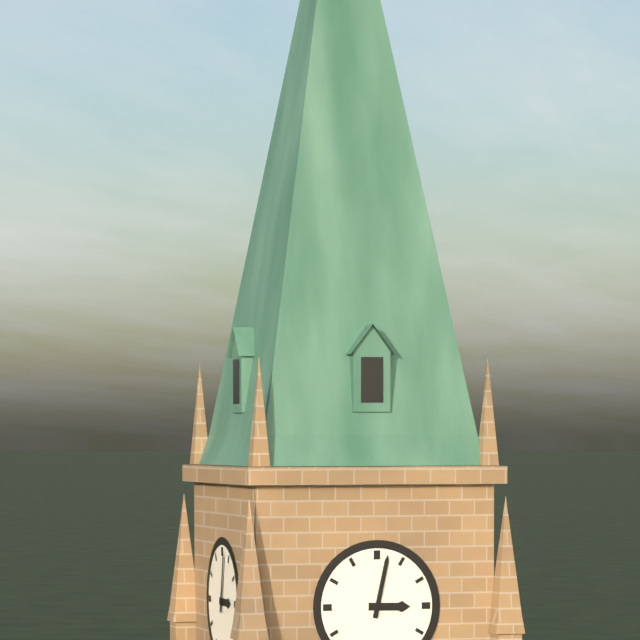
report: 3h02
